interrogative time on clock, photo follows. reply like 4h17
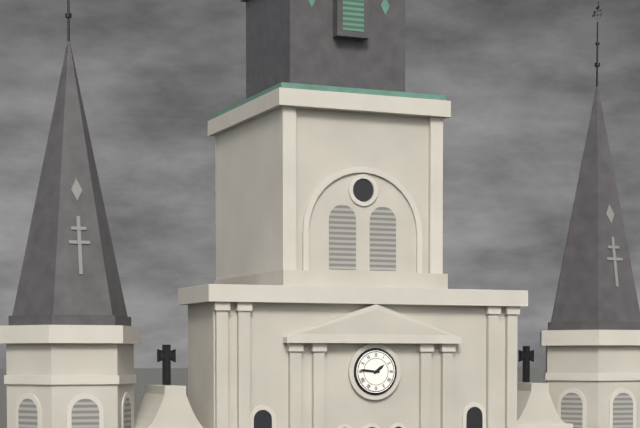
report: 1h46
